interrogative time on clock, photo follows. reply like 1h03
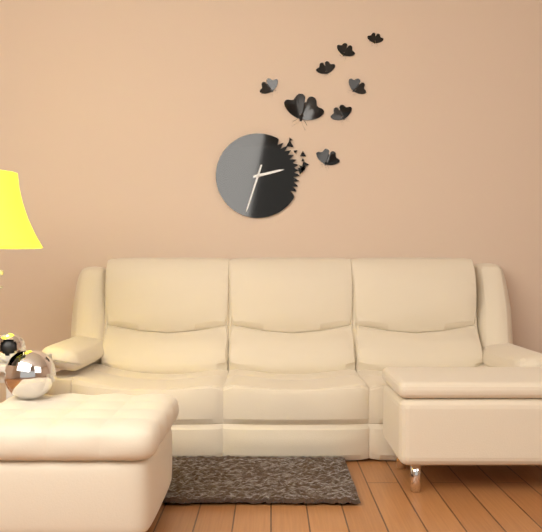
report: 2h33
